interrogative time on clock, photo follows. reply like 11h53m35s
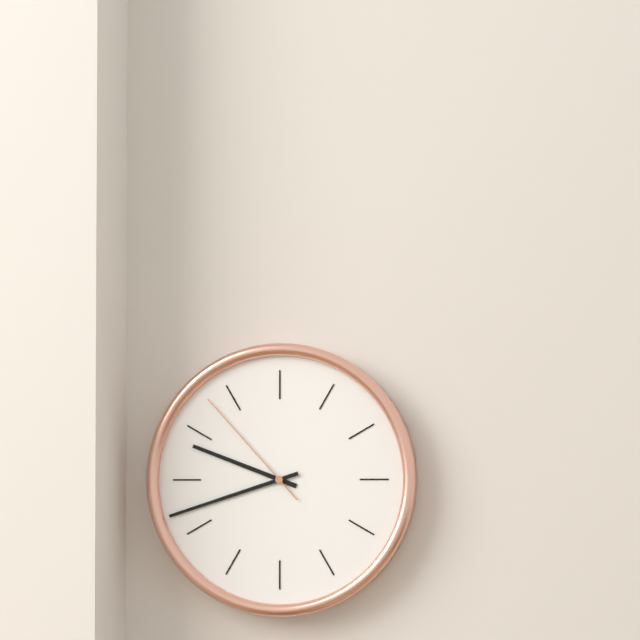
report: 9h42m53s
